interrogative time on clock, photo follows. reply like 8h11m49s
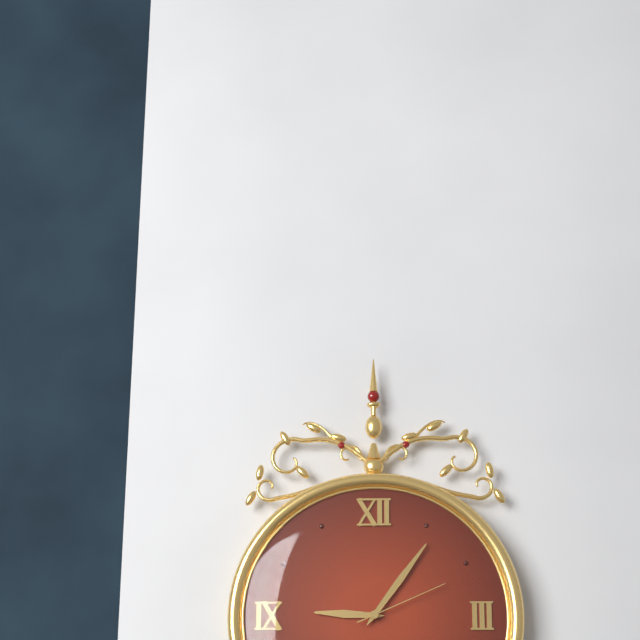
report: 9h06m11s
